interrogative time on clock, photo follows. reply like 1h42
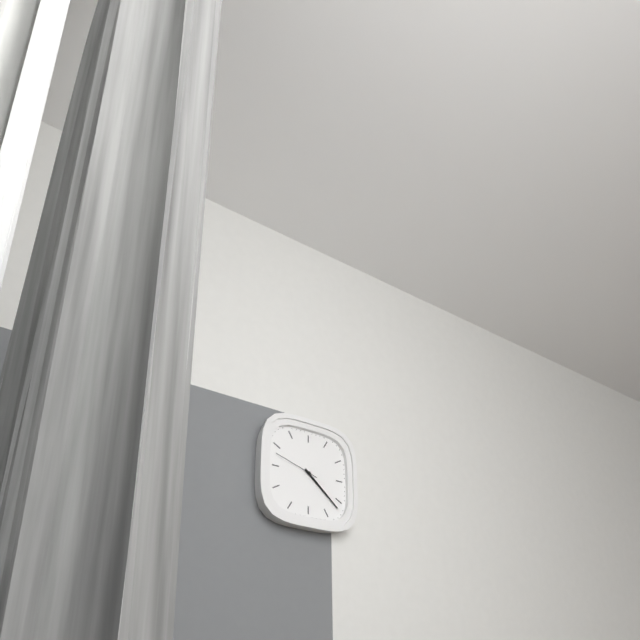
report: 4h22
